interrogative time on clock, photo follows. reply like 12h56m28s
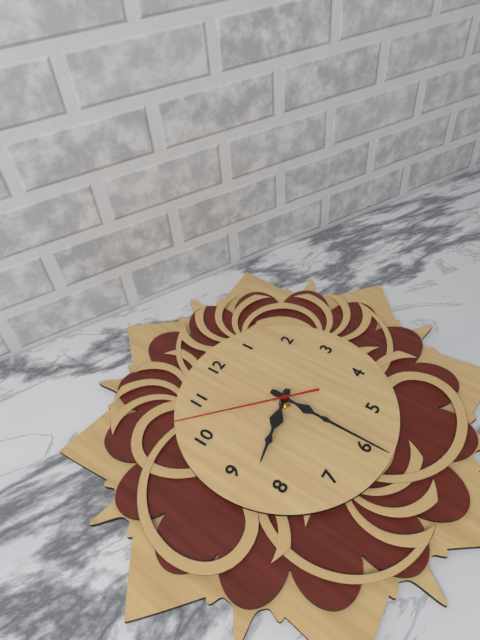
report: 8h30m52s
